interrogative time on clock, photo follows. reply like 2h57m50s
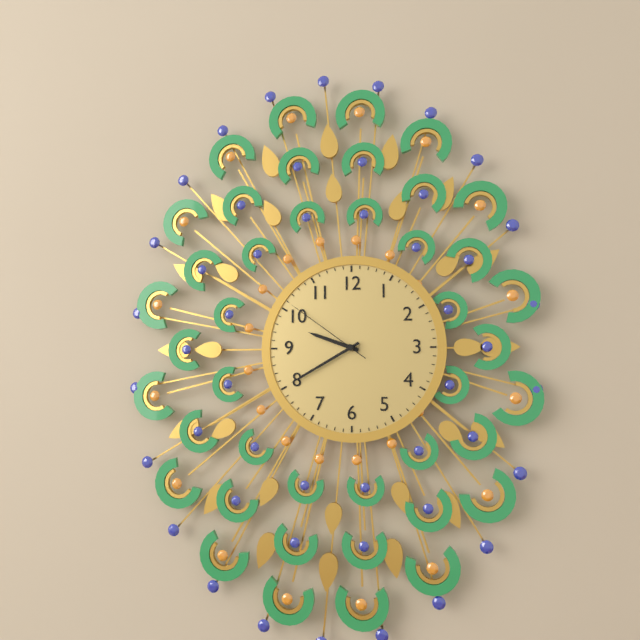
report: 9h40m51s
